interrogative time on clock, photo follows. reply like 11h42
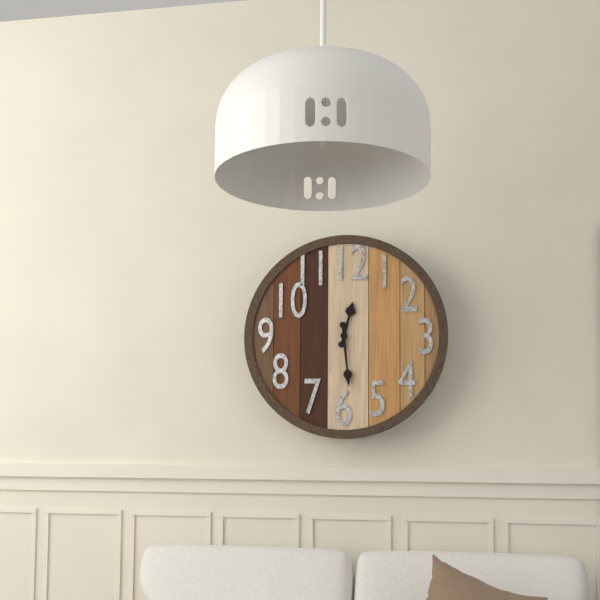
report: 12h29
